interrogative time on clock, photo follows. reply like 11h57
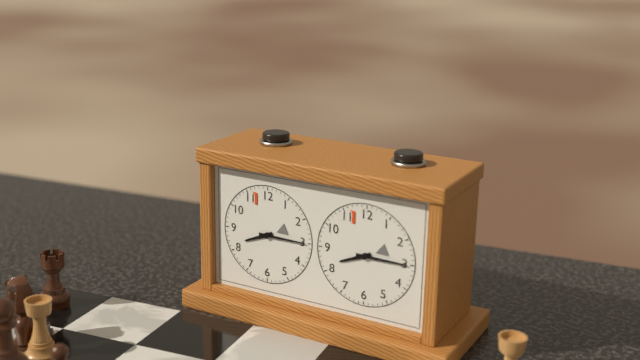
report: 8h15
